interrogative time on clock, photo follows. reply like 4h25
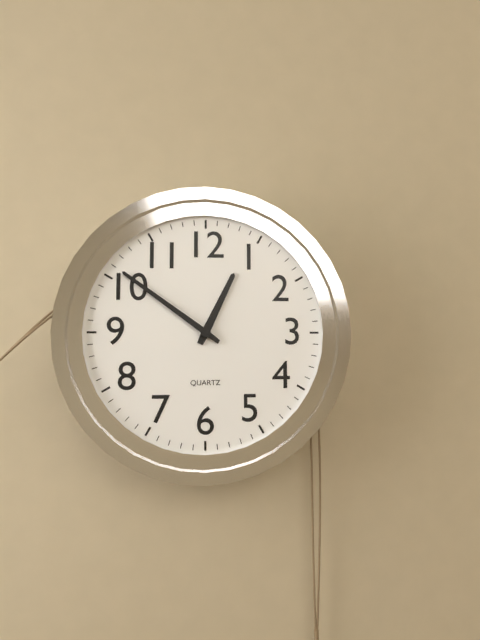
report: 12h51
